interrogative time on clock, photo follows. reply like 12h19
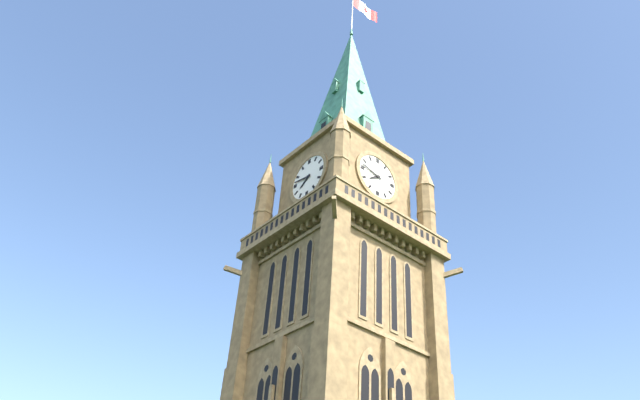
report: 7h47
